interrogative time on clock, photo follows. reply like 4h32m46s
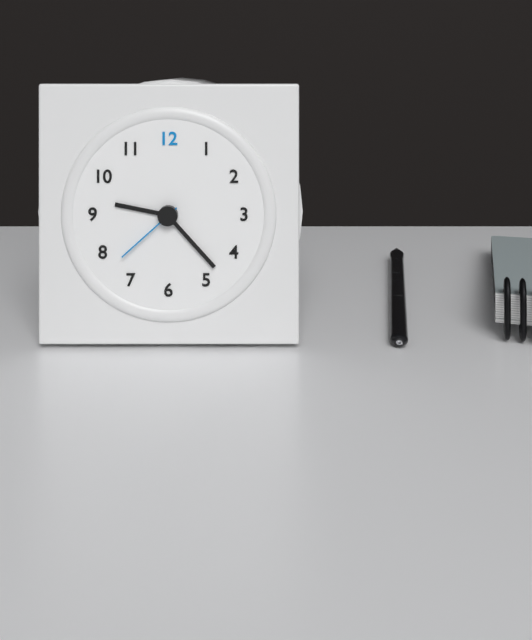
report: 9h23m38s
